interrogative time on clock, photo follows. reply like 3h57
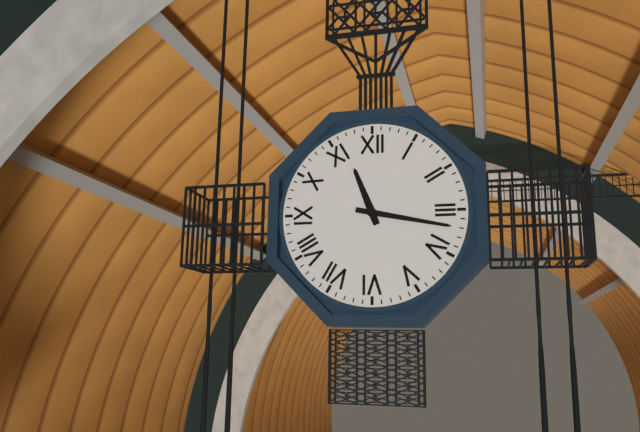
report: 11h17
